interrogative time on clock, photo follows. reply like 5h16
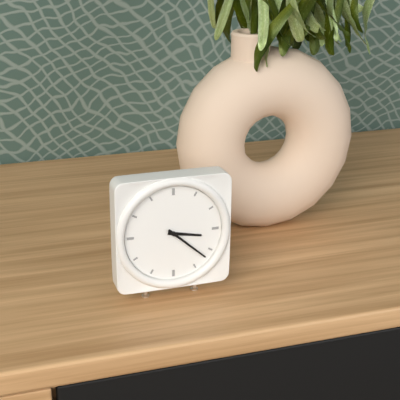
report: 3h22
